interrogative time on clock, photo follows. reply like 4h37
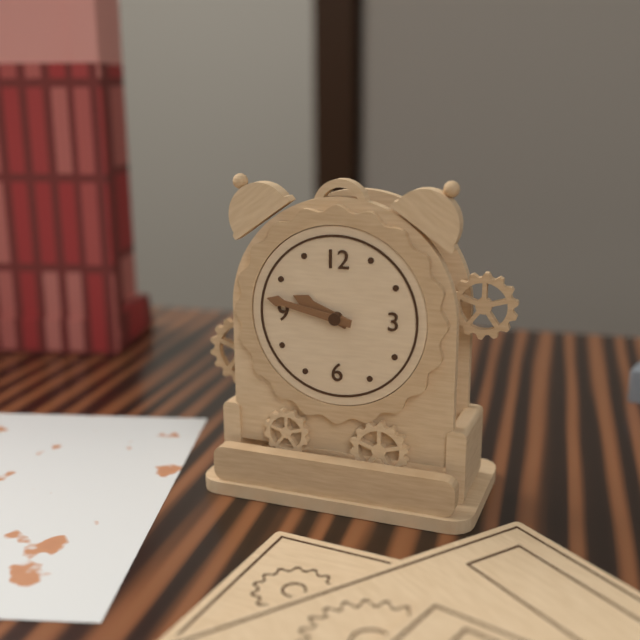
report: 9h47
